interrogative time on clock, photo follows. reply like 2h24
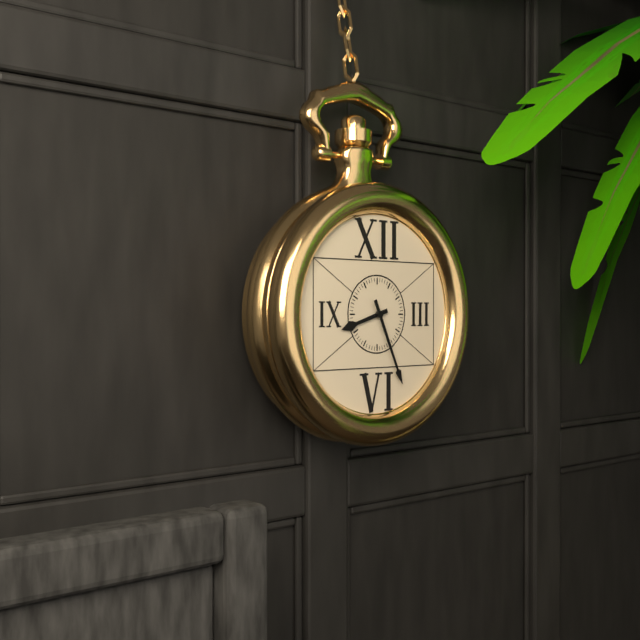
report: 8h26
